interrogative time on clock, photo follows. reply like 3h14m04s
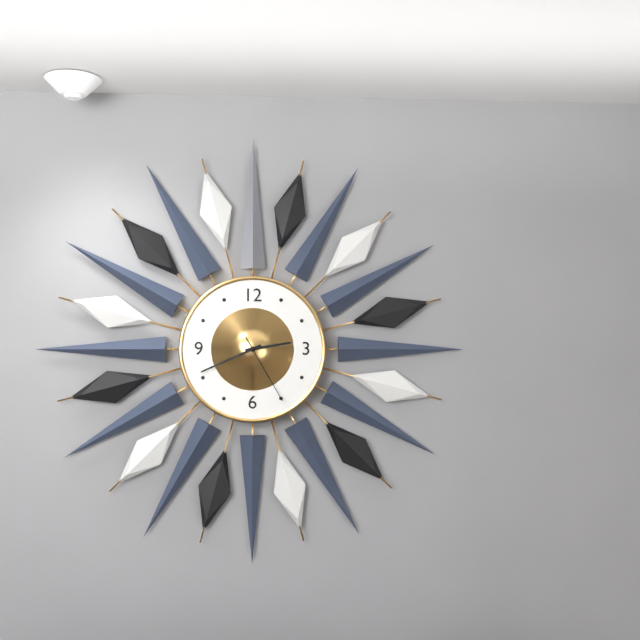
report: 2h41m25s
